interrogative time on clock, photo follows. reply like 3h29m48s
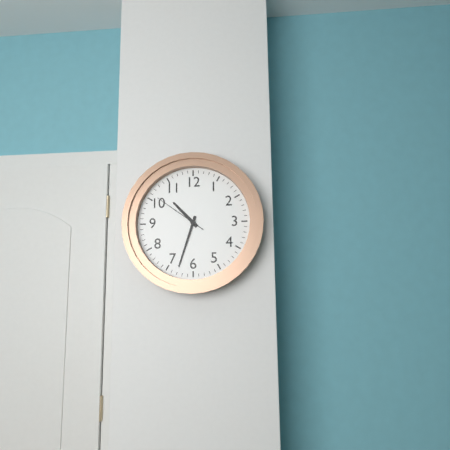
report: 10h33m51s
